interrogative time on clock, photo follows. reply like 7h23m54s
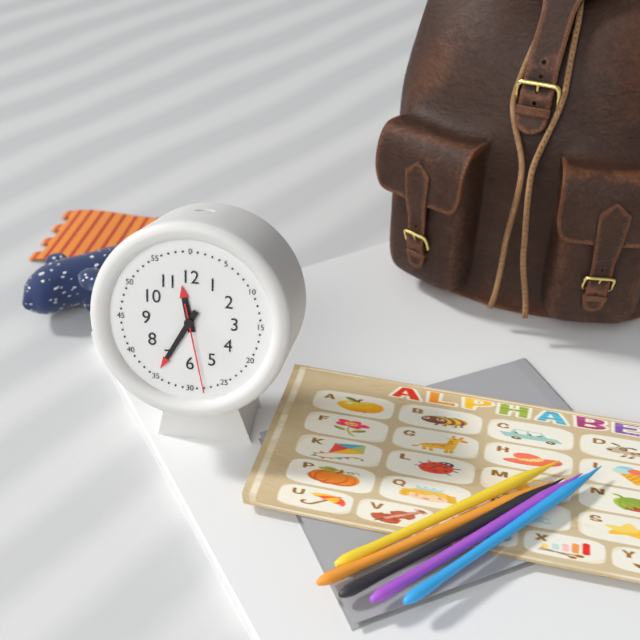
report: 11h35m28s
